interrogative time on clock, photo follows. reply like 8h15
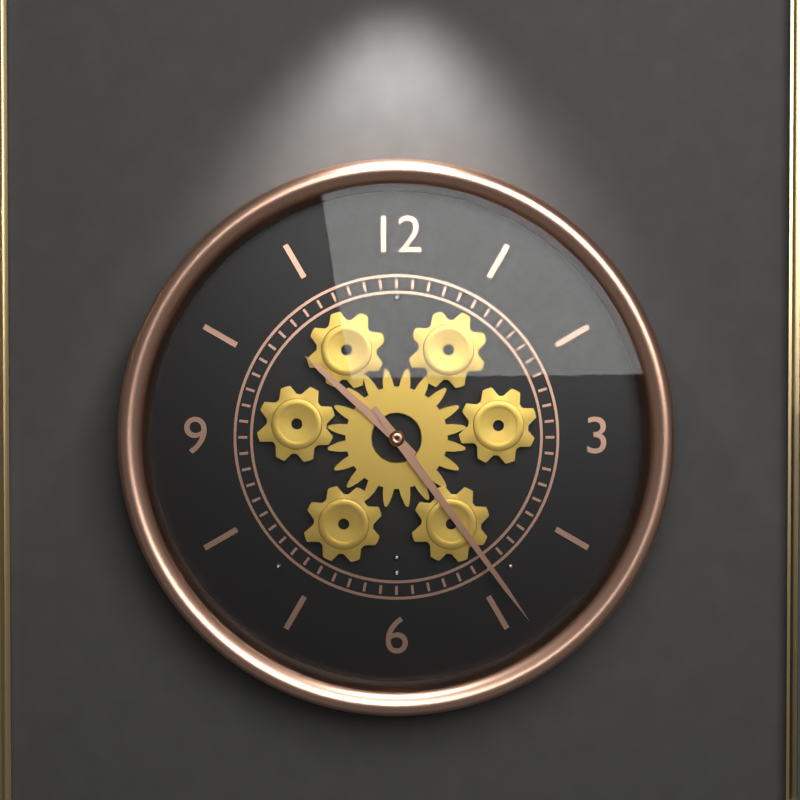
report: 10h24
